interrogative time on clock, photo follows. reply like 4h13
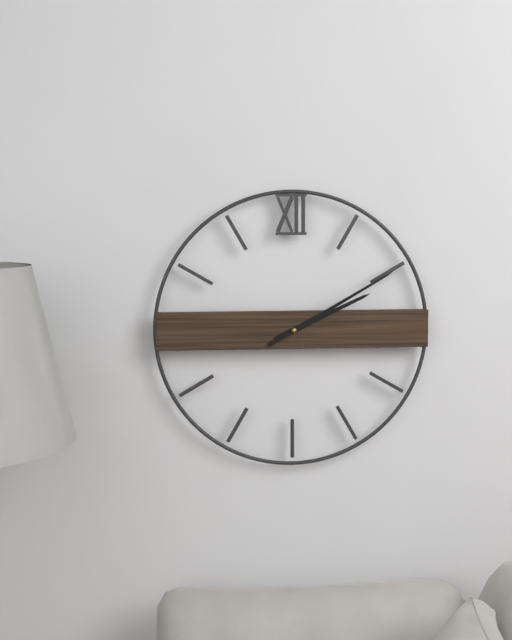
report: 2h10
